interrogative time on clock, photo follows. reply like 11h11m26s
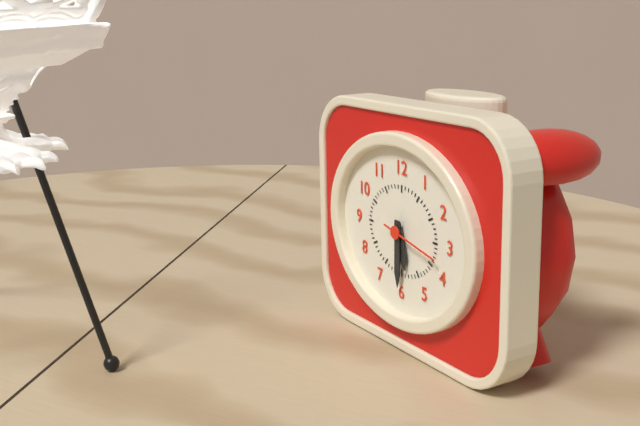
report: 5h30m17s
